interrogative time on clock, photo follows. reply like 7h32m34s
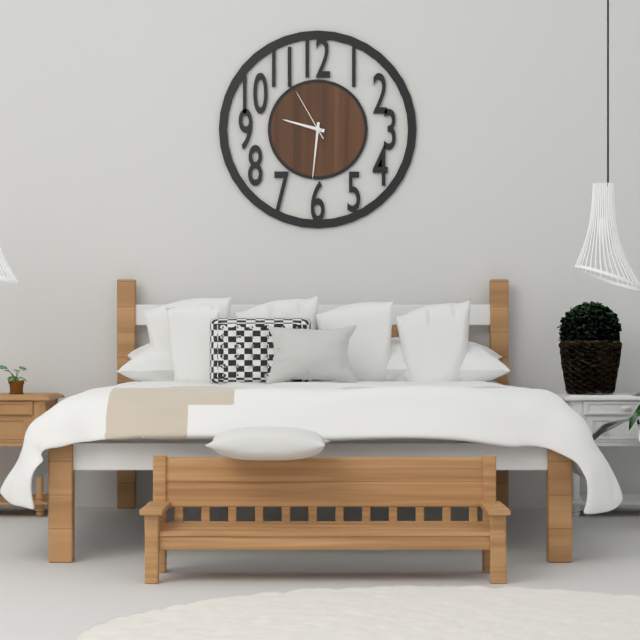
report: 9h31m55s
